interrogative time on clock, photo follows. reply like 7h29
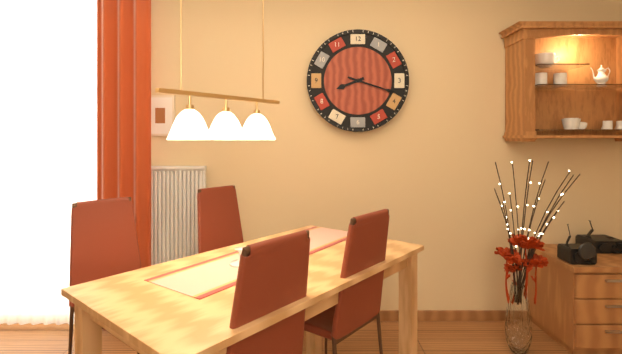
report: 8h18
